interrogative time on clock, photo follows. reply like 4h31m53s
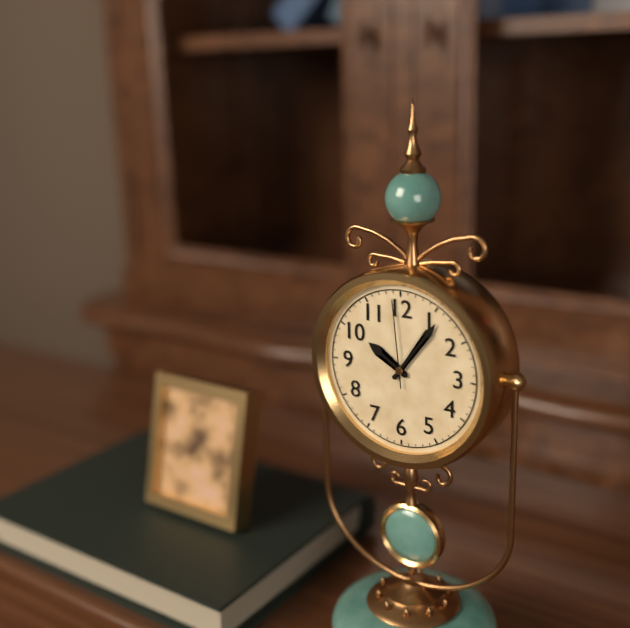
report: 10h06m59s
